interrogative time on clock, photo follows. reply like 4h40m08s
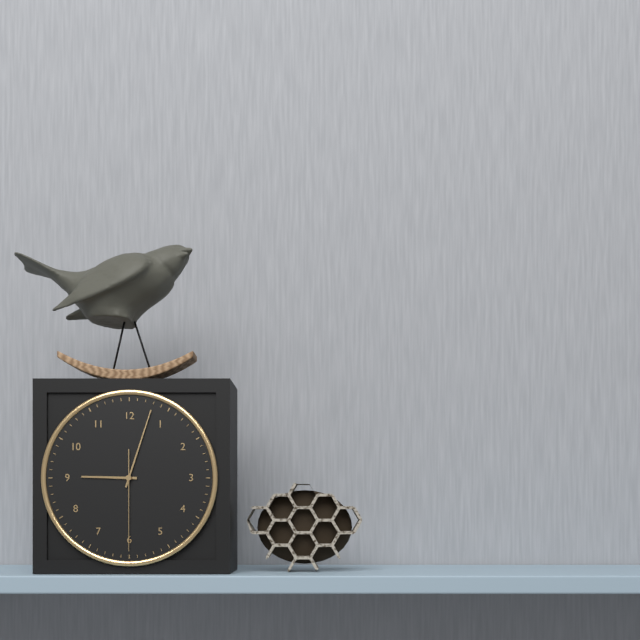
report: 9h03m30s
